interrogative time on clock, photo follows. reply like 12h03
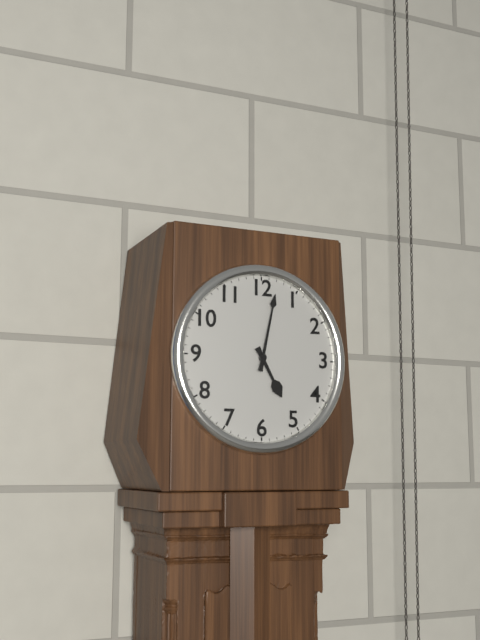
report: 5h02
